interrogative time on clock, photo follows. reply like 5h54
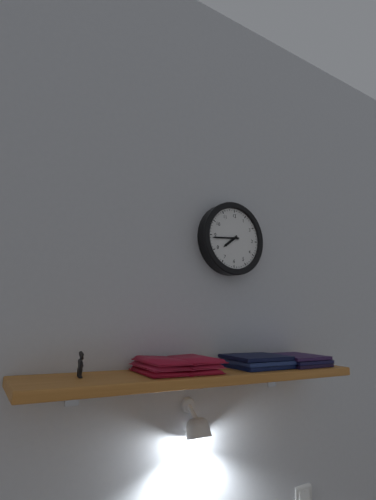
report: 7h44
